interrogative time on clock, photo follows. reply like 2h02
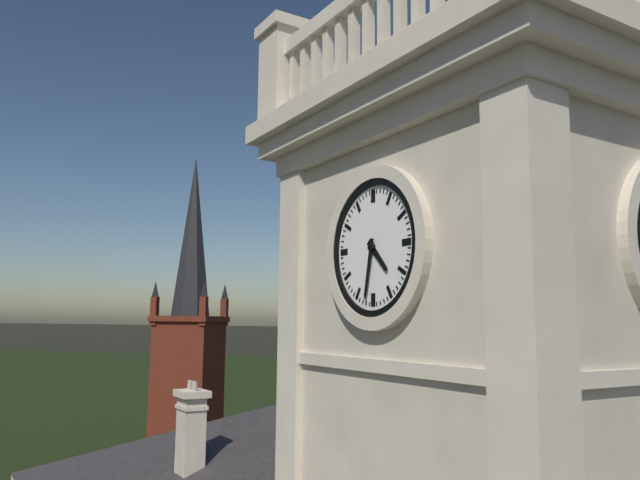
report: 4h32
